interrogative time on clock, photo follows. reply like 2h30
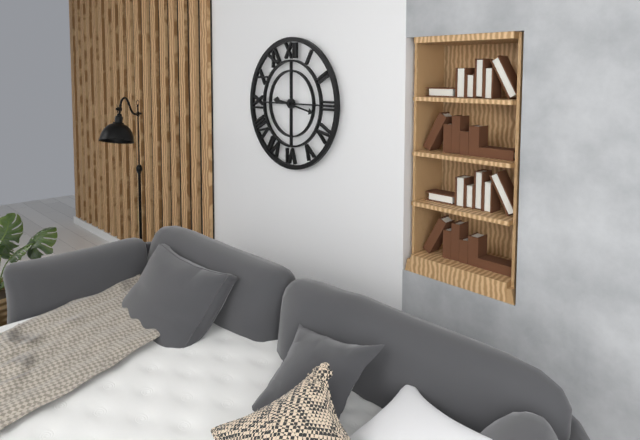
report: 9h17
